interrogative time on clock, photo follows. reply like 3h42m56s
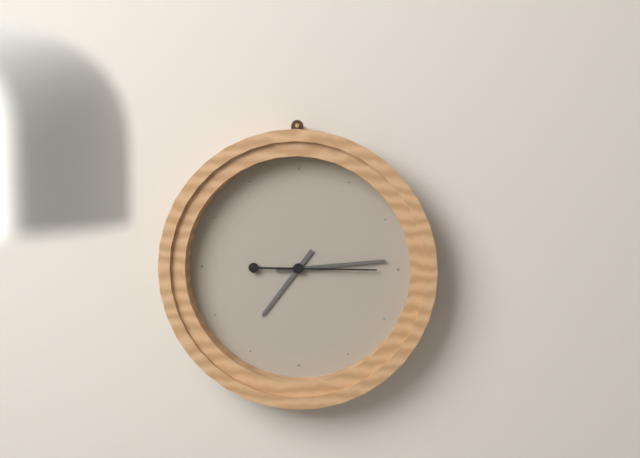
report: 7h14m15s
